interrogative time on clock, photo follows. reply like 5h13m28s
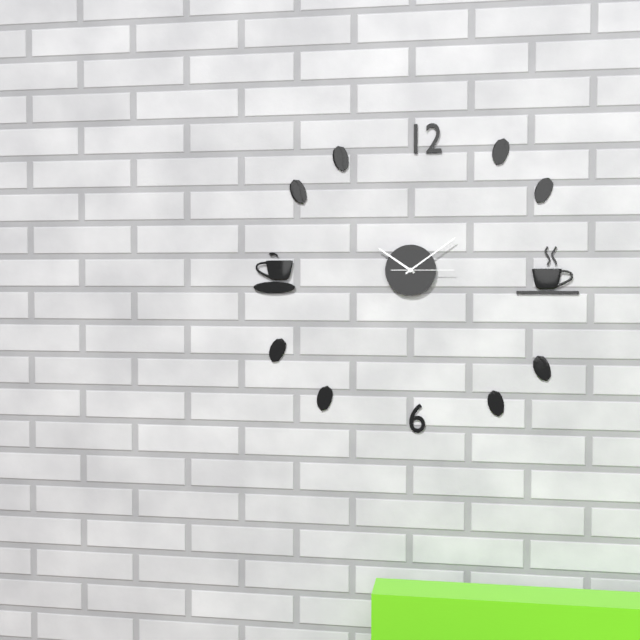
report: 10h09m15s
